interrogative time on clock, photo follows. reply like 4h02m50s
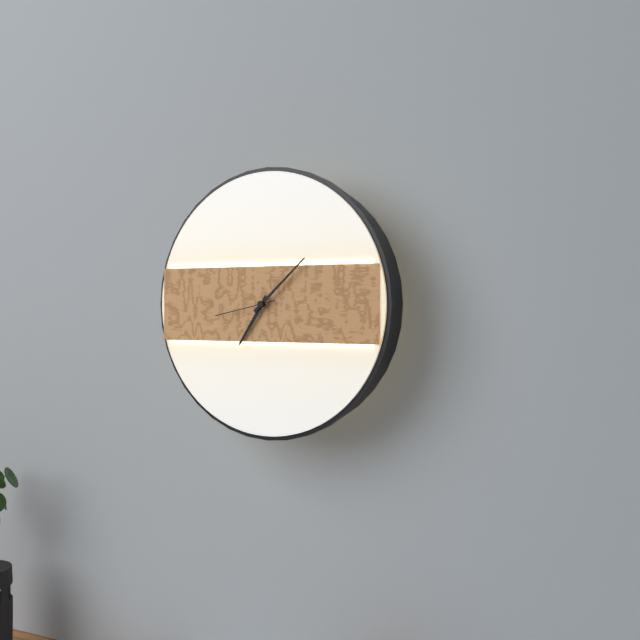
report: 7h08m43s
